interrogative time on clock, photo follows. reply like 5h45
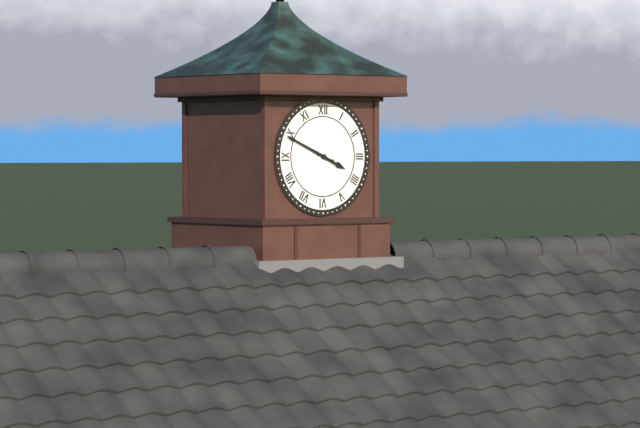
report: 3h49
